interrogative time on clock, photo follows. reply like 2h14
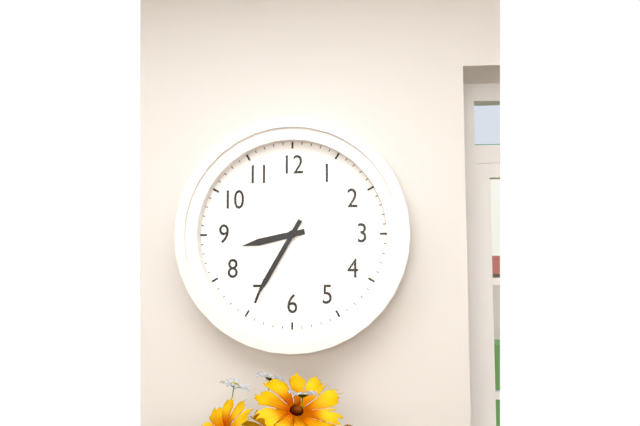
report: 8h35
